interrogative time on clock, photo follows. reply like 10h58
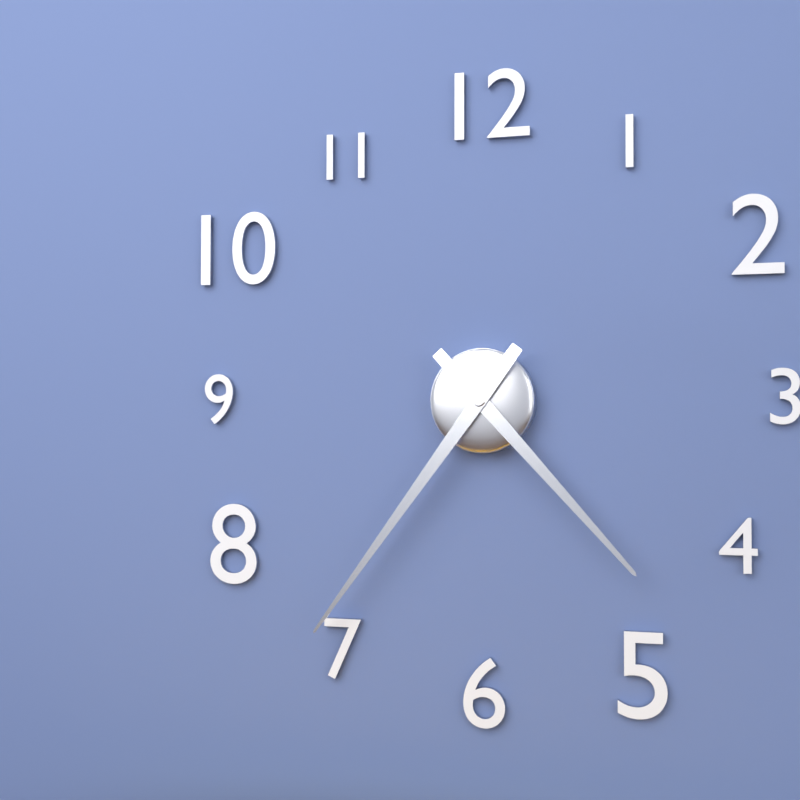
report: 4h36
